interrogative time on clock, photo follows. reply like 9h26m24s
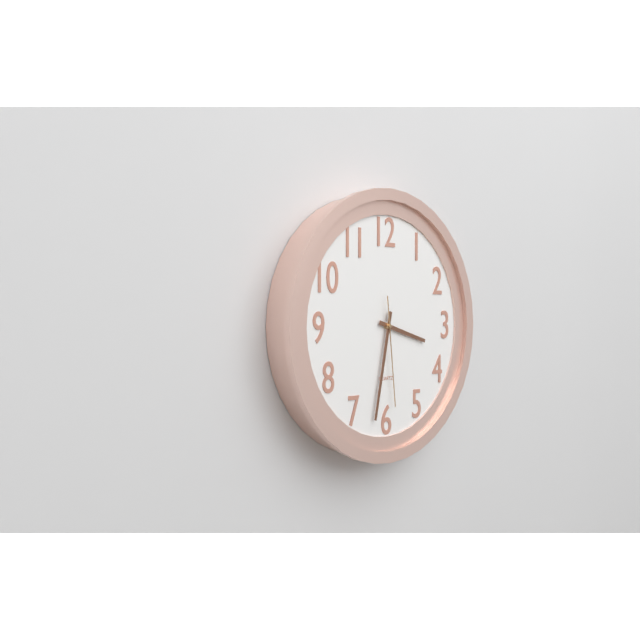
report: 3h32m29s
